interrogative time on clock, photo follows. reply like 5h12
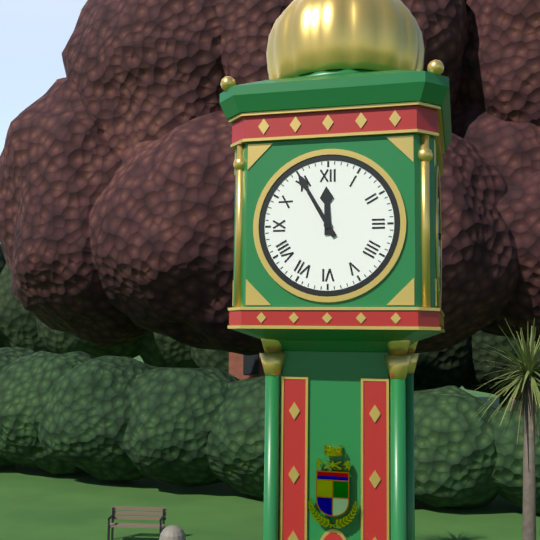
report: 11h55
